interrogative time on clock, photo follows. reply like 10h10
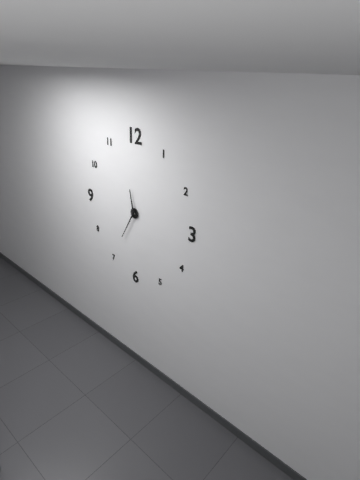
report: 11h35
